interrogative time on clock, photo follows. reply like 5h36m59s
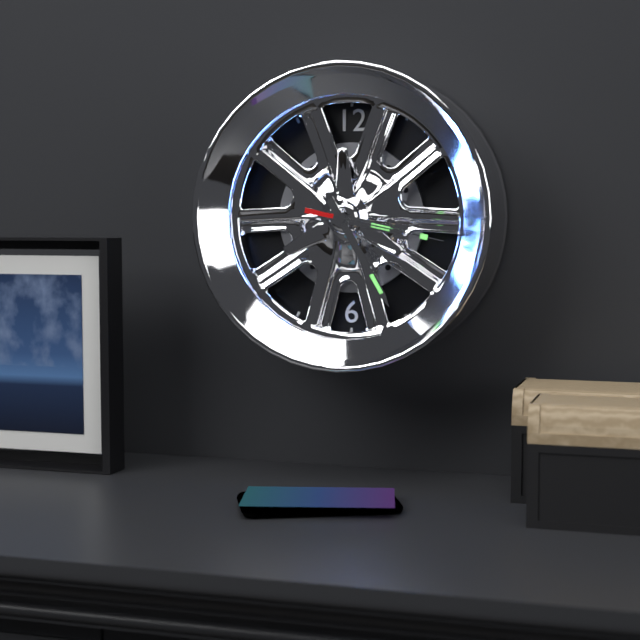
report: 3h25m17s
